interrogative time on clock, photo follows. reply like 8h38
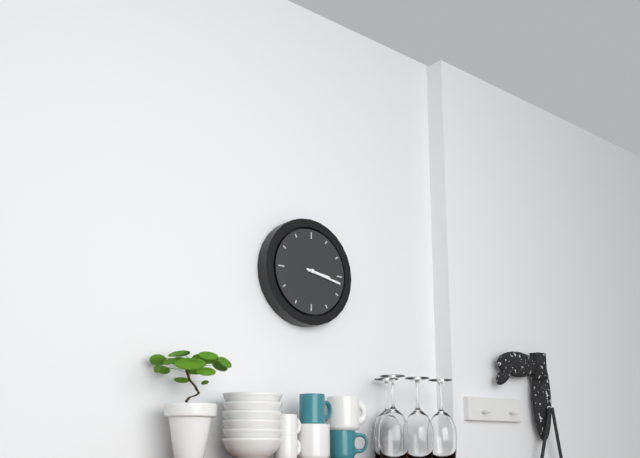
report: 3h17
